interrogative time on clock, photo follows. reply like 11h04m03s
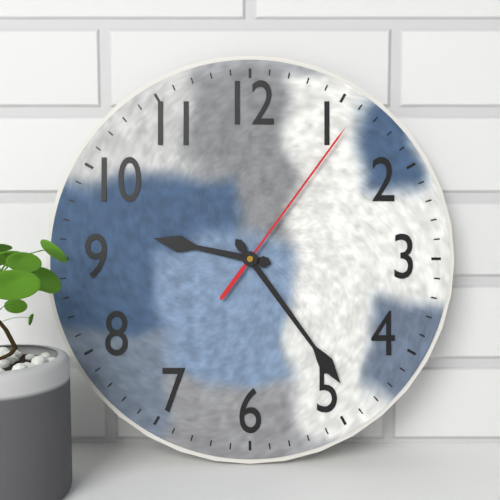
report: 9h24m06s
